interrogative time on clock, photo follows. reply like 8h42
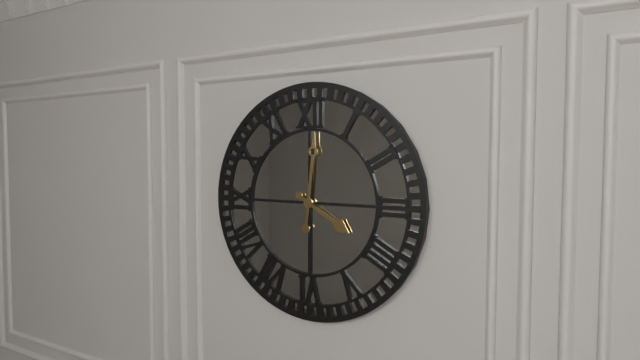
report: 4h01
